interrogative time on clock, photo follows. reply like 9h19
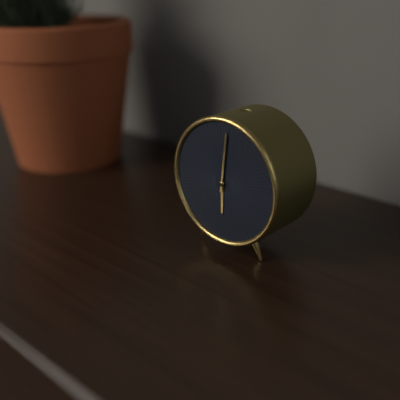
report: 6h01
